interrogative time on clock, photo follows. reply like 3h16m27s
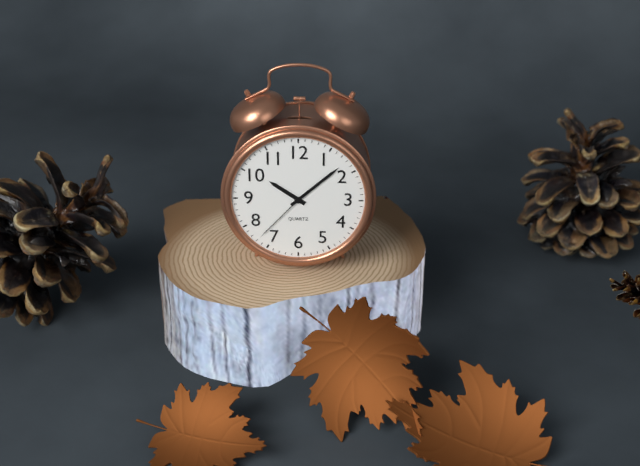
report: 10h08m37s
